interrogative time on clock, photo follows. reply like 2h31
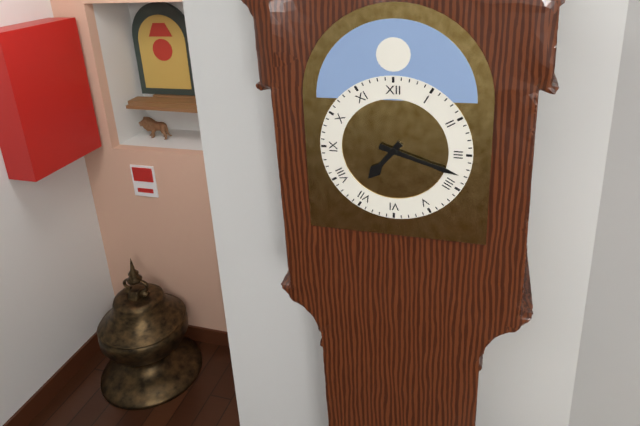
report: 7h18
